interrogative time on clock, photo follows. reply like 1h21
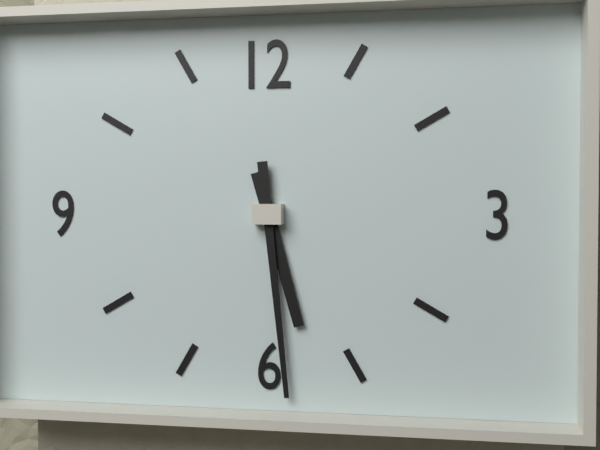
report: 5h29
